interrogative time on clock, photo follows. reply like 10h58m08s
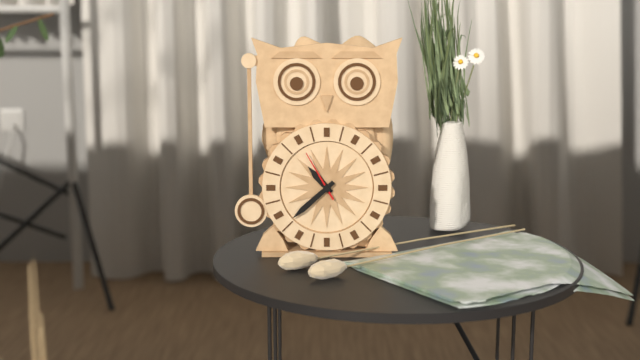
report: 10h38m55s
